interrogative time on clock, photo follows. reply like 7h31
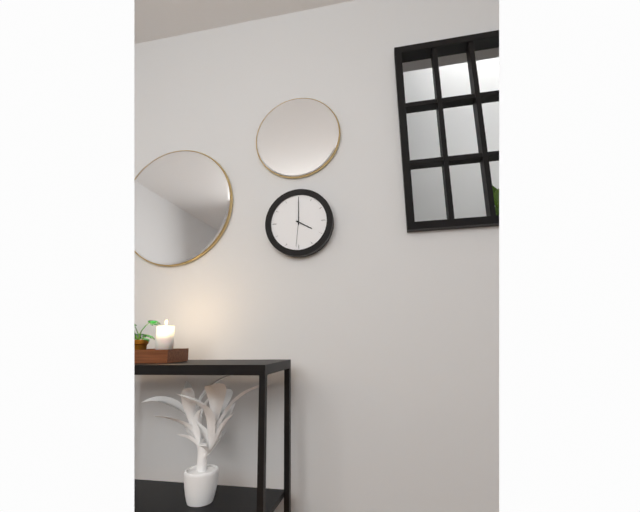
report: 4h00
